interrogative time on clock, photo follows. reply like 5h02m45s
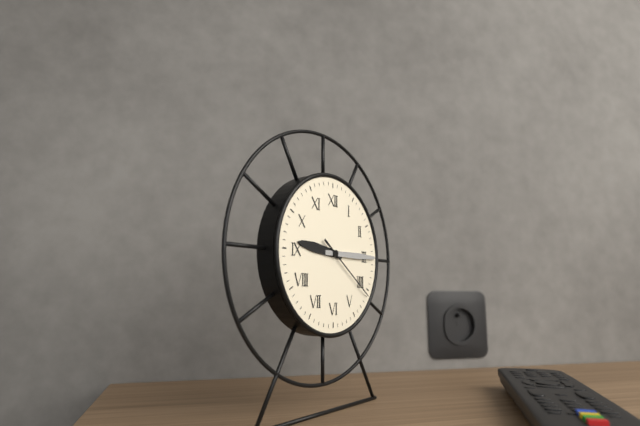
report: 9h15m21s
